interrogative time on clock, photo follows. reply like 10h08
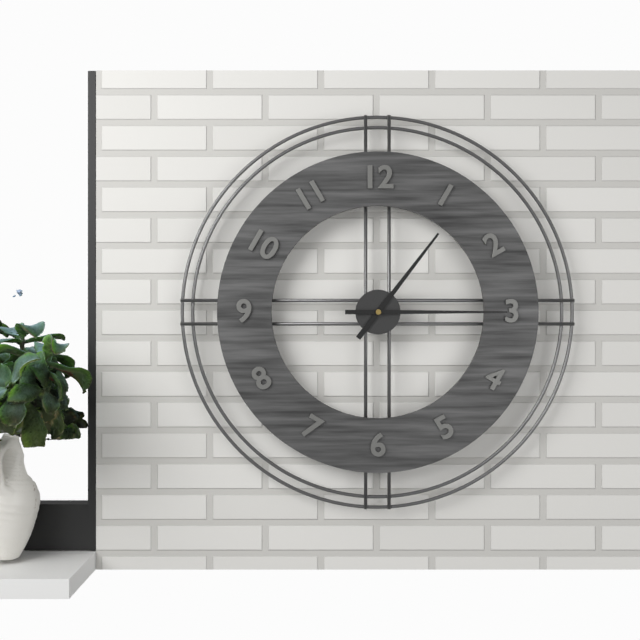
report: 1h15
